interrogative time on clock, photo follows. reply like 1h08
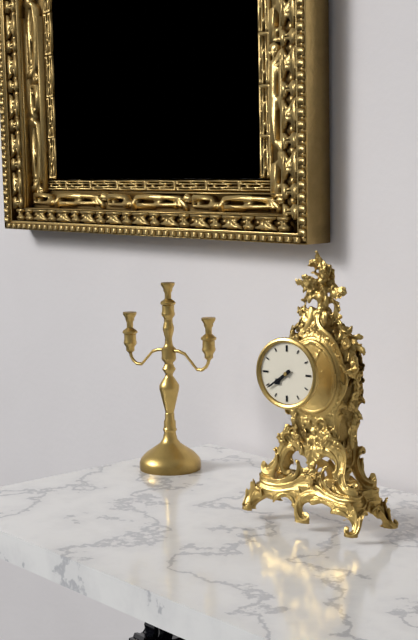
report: 7h39
